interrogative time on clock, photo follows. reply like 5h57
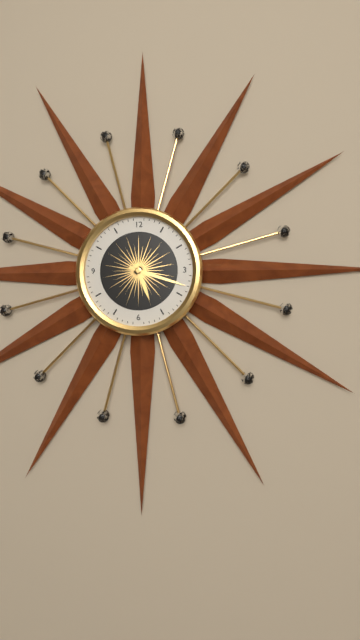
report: 5h18
